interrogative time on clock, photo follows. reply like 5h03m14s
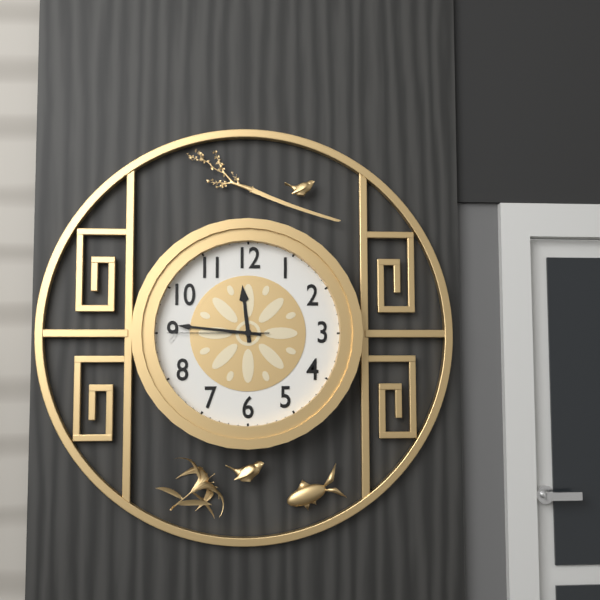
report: 11h46m45s
